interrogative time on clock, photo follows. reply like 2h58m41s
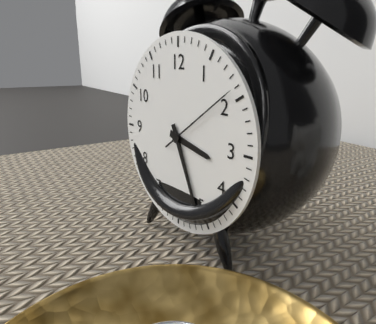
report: 3h26m09s
